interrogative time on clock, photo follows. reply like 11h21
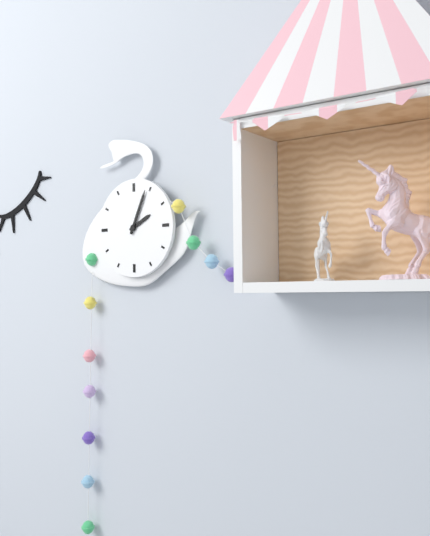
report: 2h04
